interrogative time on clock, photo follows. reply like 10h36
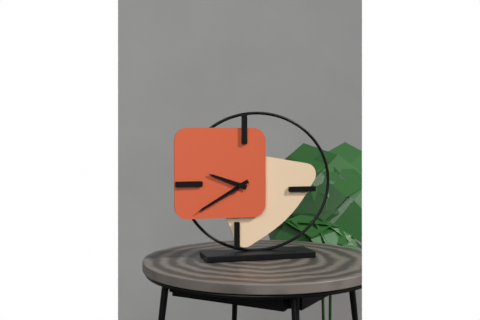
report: 9h40
